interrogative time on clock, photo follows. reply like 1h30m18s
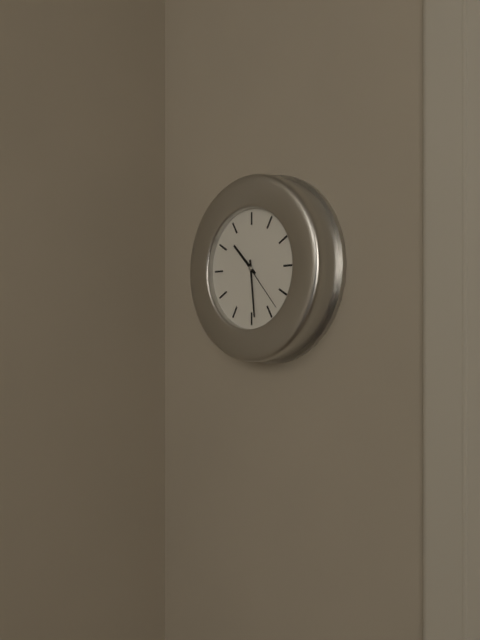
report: 10h29m23s
